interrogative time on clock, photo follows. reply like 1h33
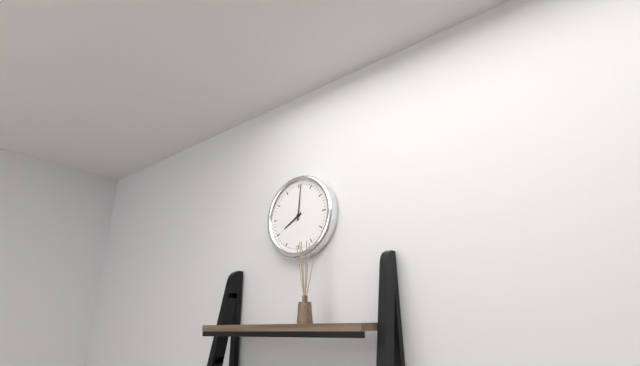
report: 8h01
